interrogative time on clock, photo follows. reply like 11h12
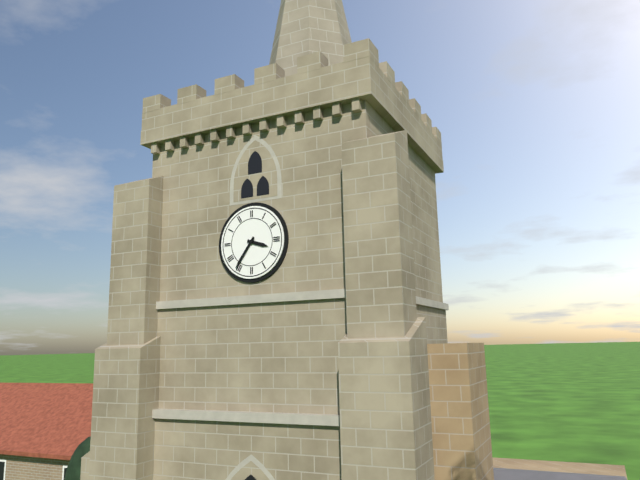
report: 3h36
